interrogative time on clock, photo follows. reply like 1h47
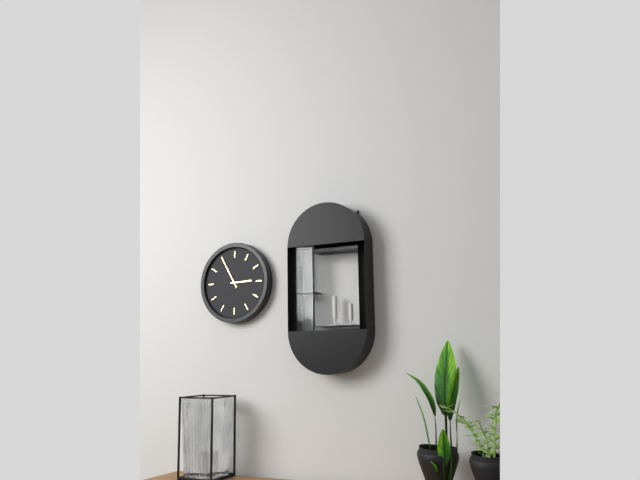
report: 2h55
